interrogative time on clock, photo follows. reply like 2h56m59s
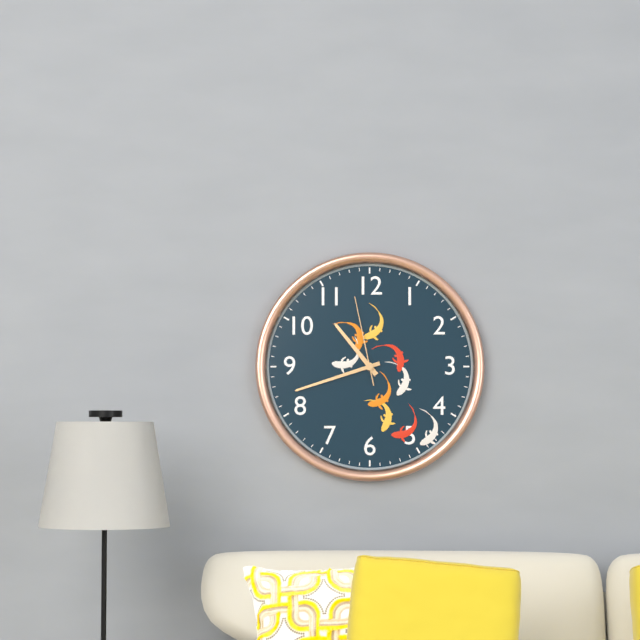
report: 10h42m58s
